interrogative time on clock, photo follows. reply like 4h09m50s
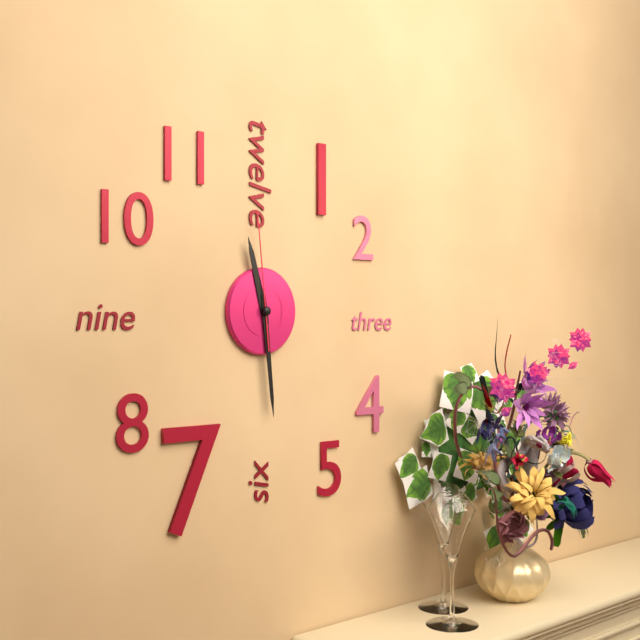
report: 11h29m59s
